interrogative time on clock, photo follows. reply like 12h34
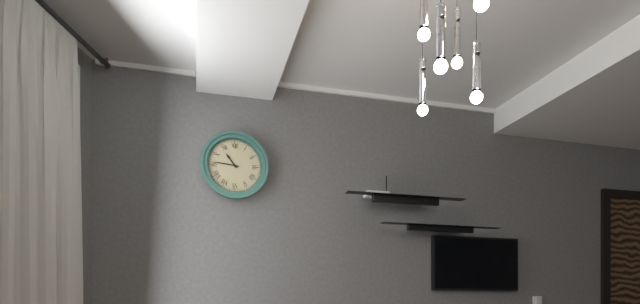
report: 10h46
